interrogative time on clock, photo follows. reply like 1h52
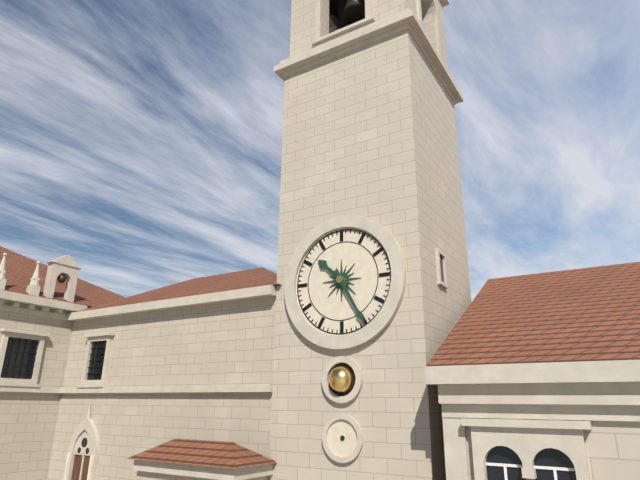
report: 10h25
